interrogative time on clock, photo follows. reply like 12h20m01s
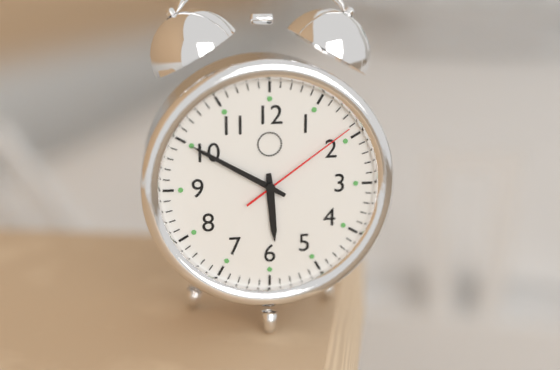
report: 5h50m09s
